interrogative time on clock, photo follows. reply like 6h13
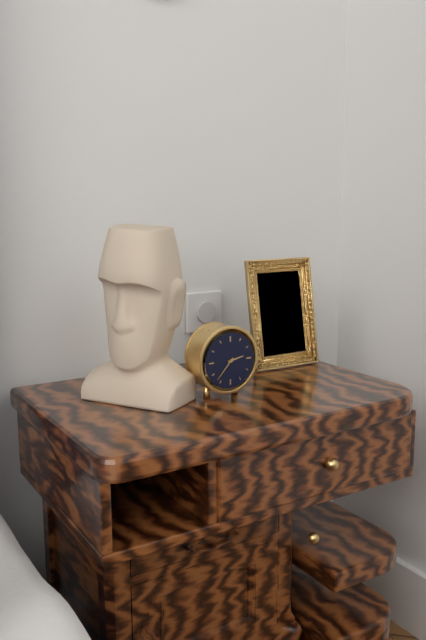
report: 2h37
